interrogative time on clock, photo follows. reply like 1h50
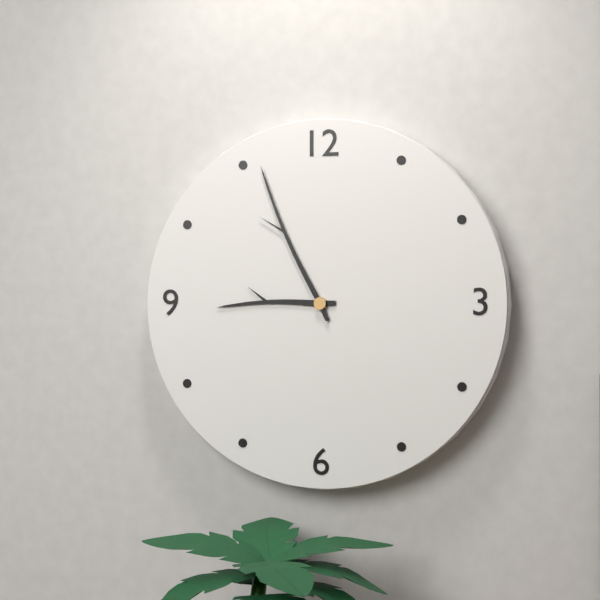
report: 8h56
